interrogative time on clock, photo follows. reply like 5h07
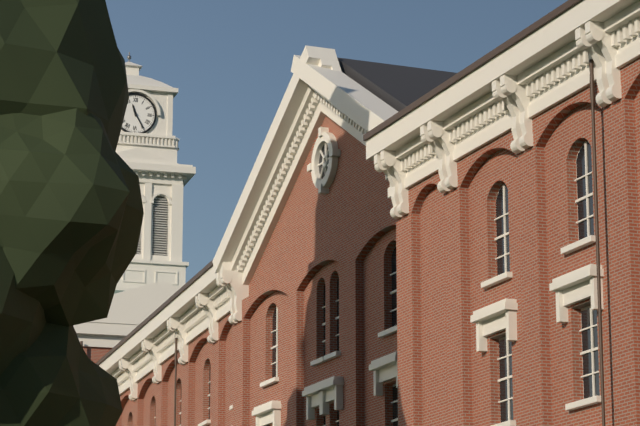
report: 11h25
